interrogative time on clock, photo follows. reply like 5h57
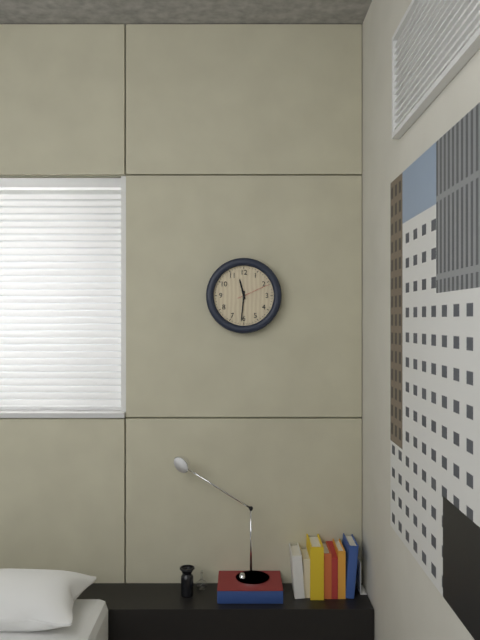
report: 11h31
